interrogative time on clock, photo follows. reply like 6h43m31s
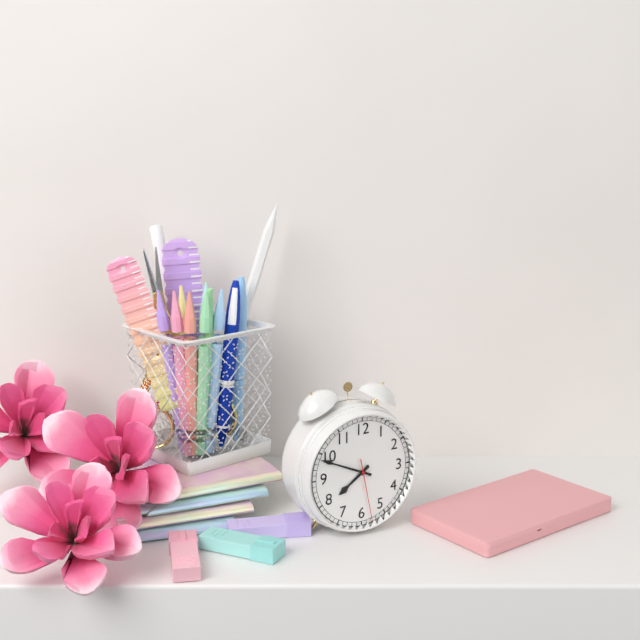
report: 7h49m28s
